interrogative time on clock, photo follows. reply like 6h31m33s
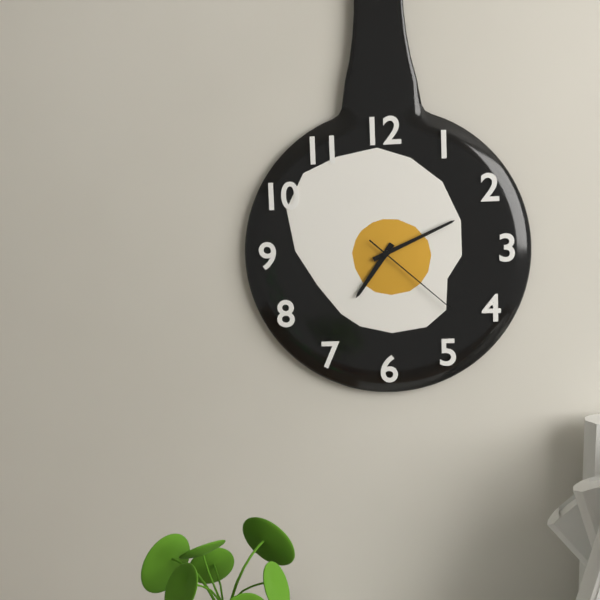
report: 7h11m22s
